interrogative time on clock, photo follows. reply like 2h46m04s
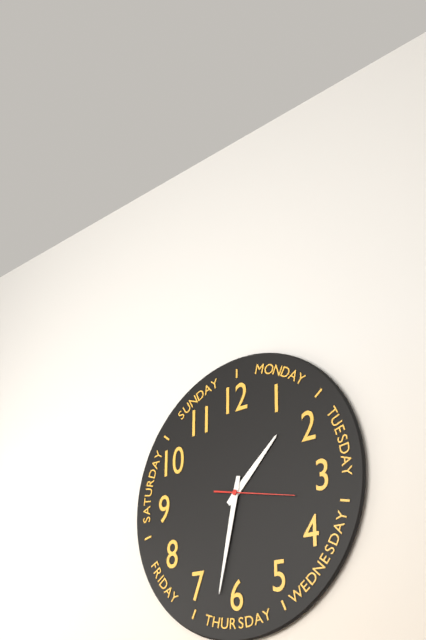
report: 1h32m17s
